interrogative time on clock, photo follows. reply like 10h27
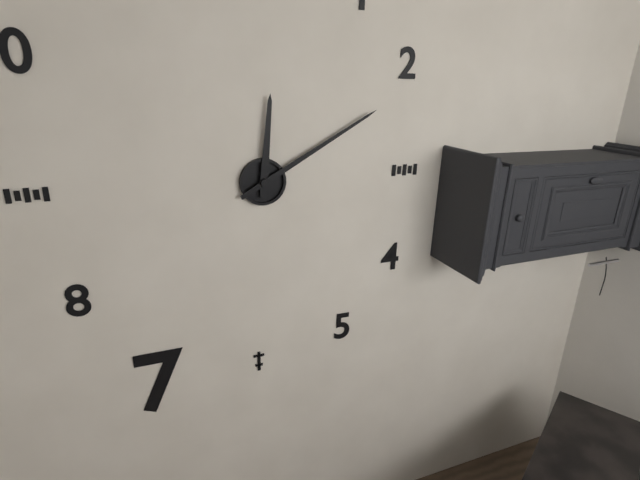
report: 12h10
